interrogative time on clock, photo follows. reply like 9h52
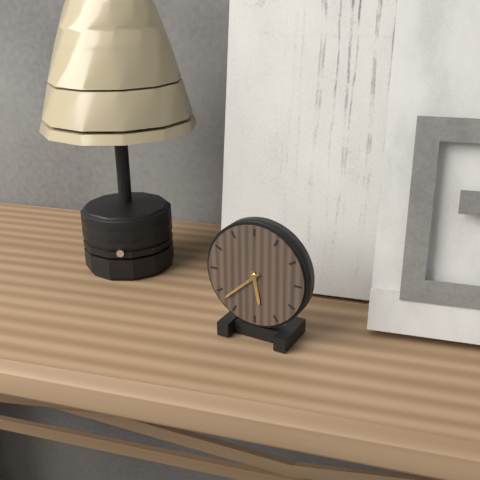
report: 5h38
